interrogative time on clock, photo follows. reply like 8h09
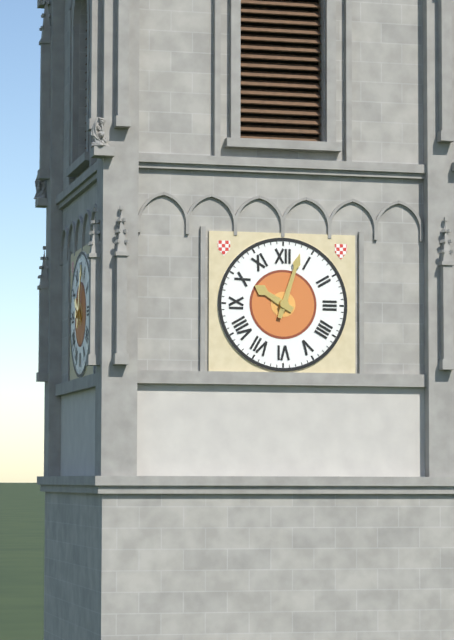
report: 10h03
